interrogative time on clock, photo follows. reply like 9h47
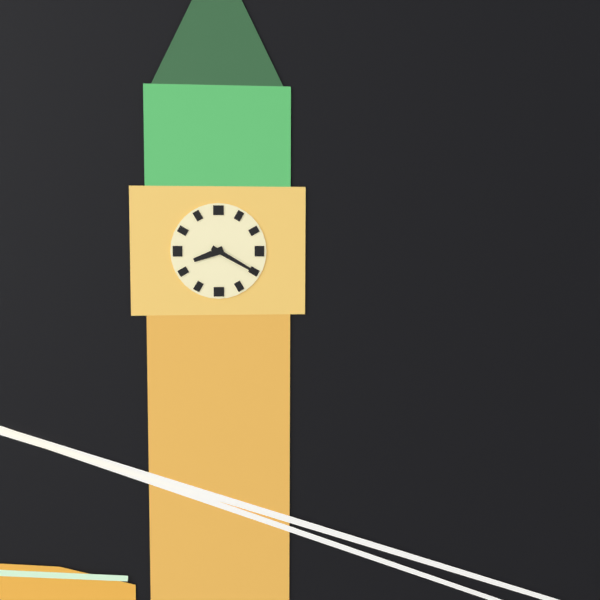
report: 8h20
